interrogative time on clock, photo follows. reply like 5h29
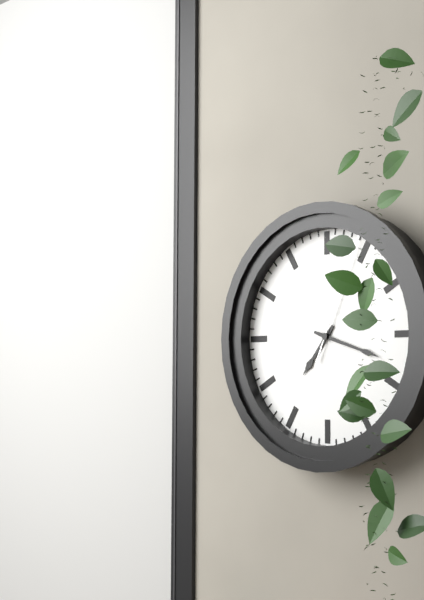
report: 7h18
